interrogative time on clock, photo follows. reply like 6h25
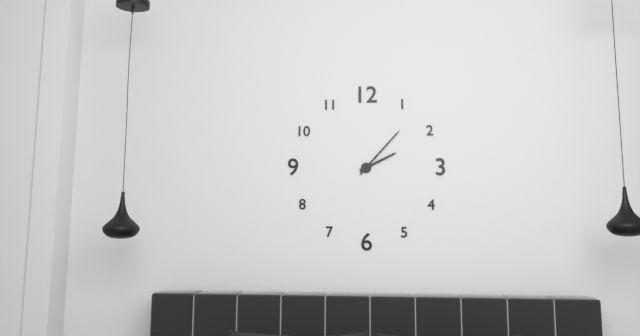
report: 2h07
